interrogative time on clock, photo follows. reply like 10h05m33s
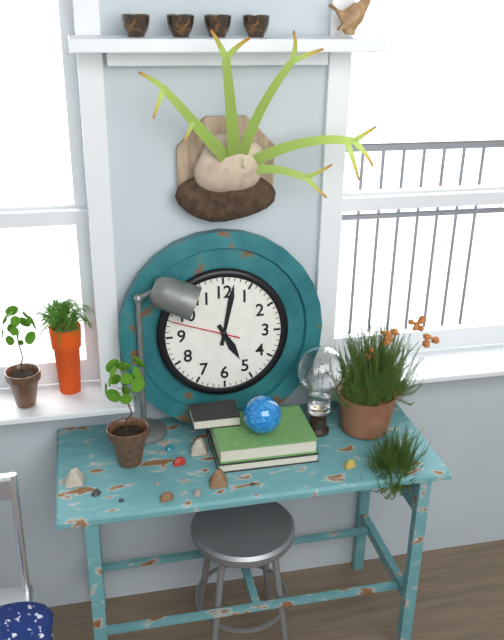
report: 5h02m48s
